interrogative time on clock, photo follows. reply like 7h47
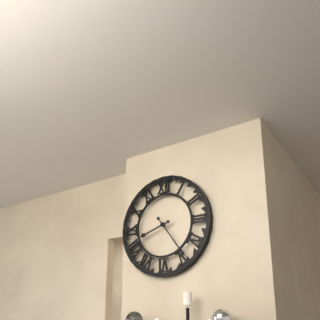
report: 8h24
